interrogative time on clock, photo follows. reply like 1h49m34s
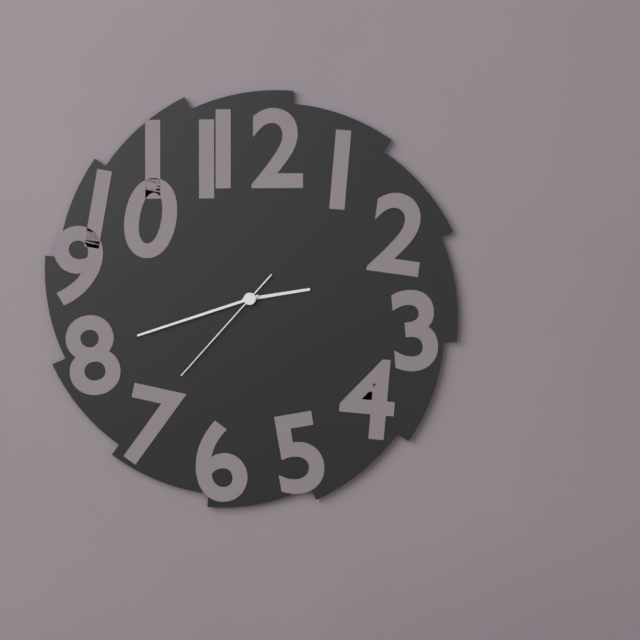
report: 2h42m37s
